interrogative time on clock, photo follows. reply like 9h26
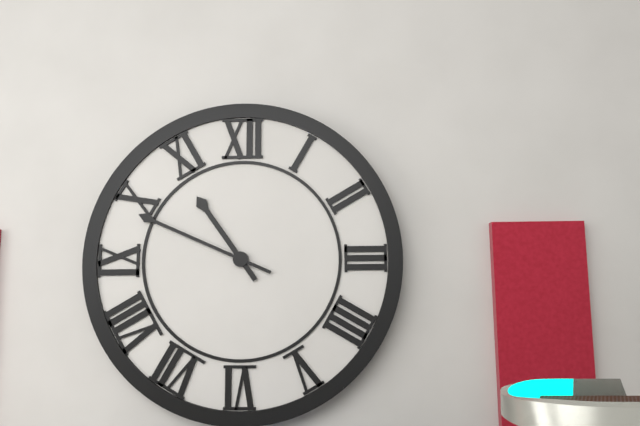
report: 10h49
